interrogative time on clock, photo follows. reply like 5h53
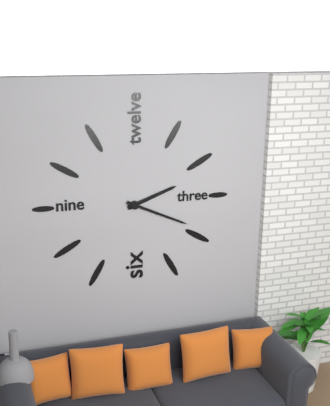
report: 2h19
